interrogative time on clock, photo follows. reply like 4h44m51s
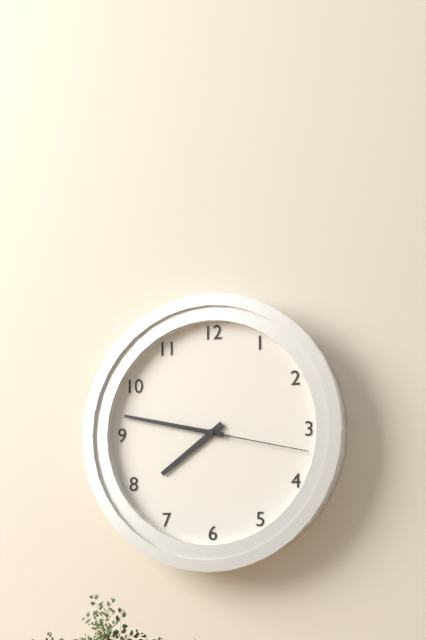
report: 7h47m17s
